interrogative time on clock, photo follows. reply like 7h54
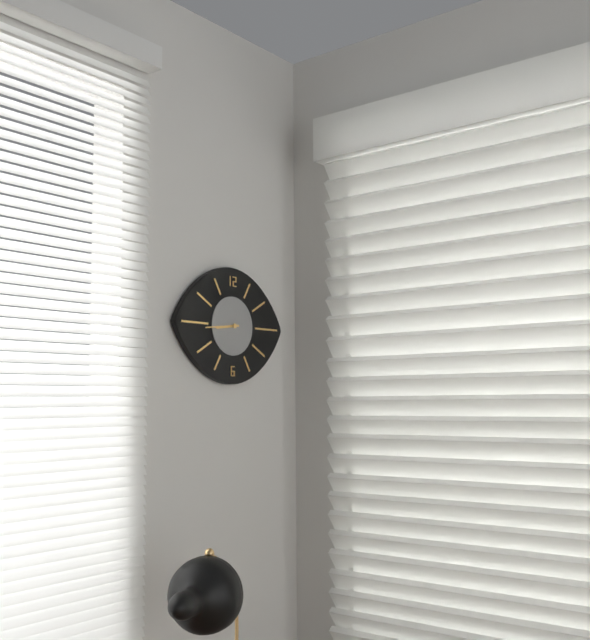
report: 8h44
